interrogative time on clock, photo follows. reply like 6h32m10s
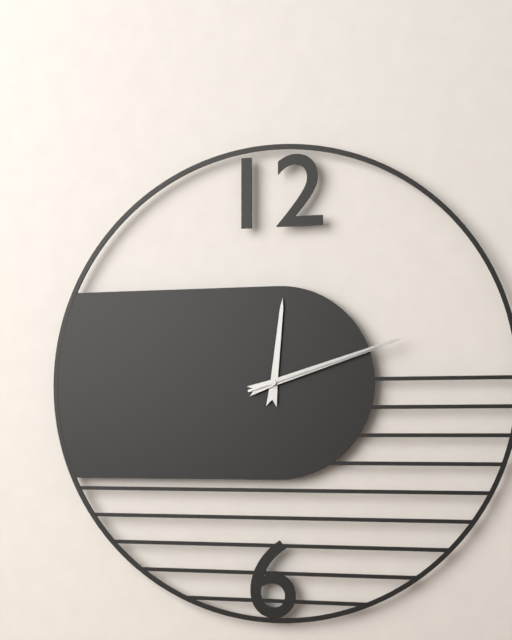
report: 12h12m12s
